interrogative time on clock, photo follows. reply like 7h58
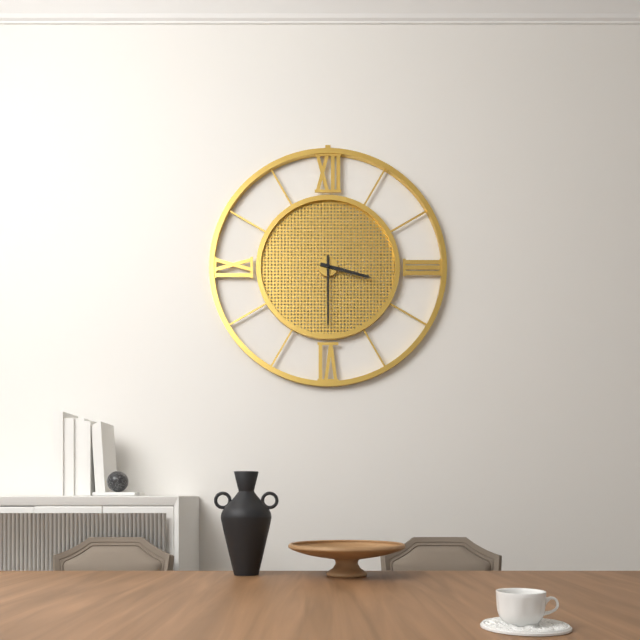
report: 3h30
